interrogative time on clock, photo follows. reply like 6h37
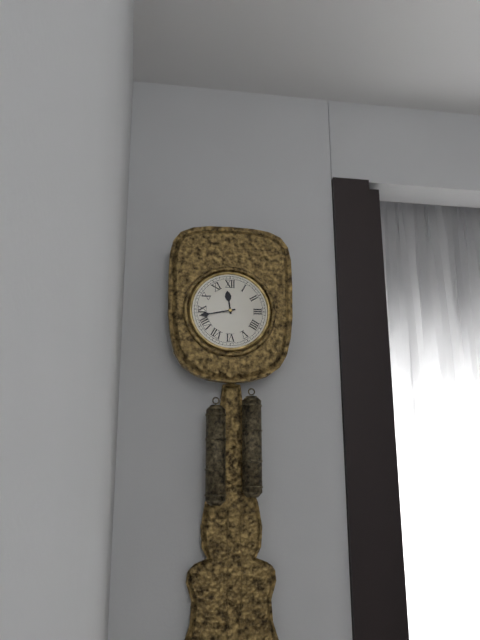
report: 11h43
